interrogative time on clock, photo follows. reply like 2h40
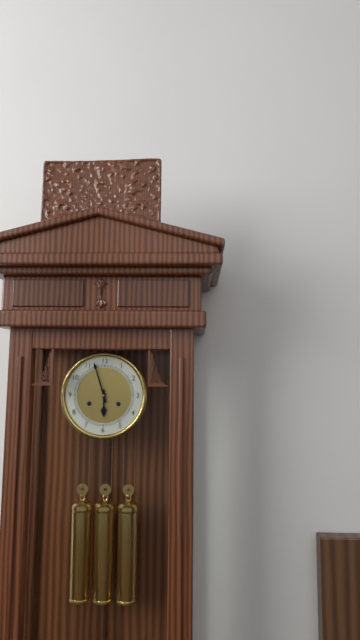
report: 5h57
